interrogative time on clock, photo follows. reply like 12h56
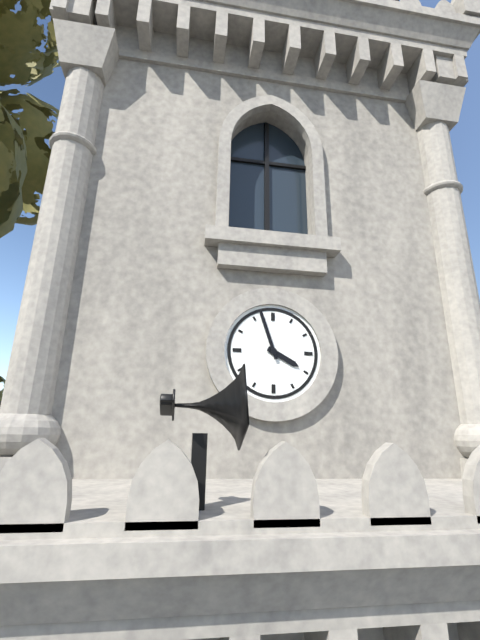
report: 3h57
